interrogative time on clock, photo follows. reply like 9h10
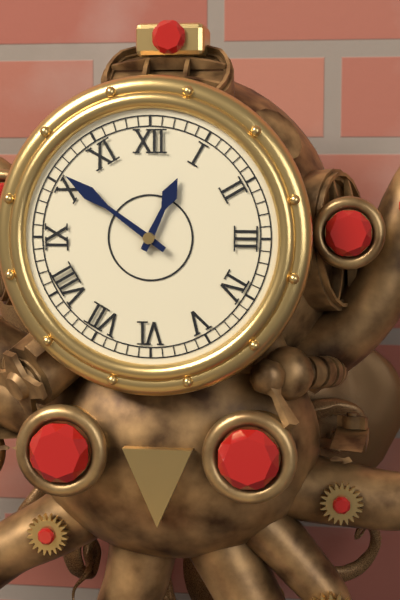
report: 12h51
